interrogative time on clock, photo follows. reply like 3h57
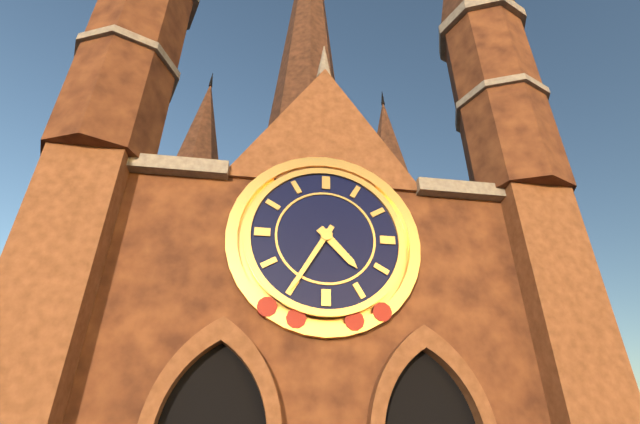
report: 4h35
